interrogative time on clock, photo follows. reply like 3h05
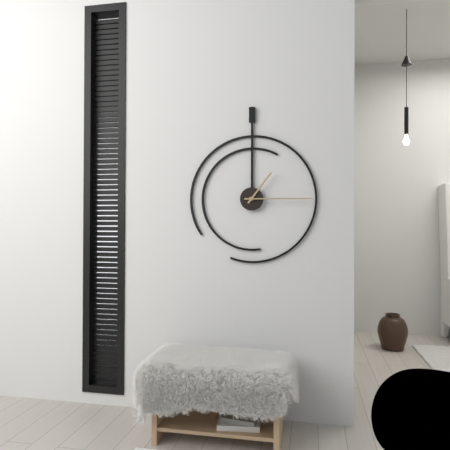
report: 1h15
